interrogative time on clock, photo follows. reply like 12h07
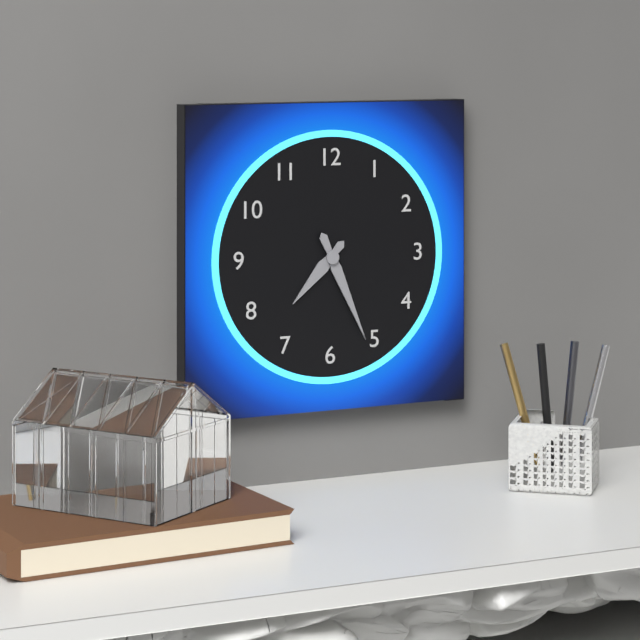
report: 7h26
